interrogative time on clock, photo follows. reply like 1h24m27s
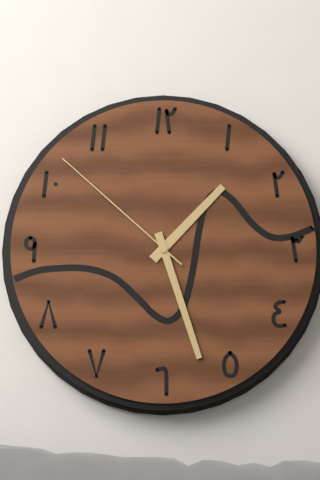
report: 1h27m52s
